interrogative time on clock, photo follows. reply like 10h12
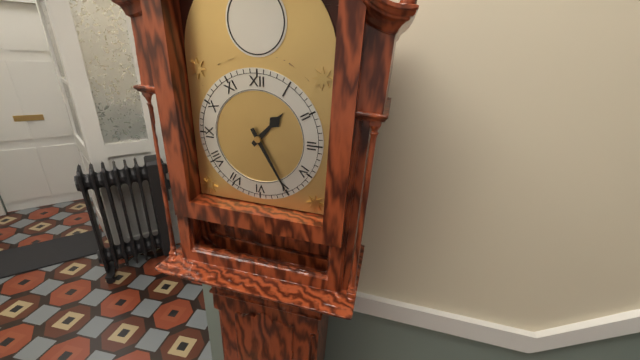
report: 1h25
